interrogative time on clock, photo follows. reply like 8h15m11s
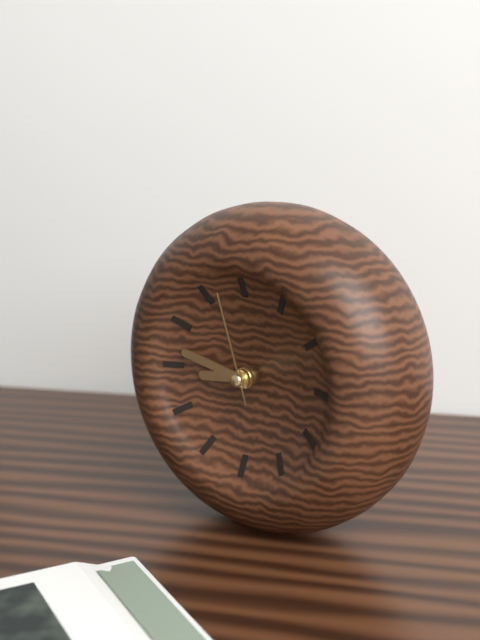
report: 8h47m57s
